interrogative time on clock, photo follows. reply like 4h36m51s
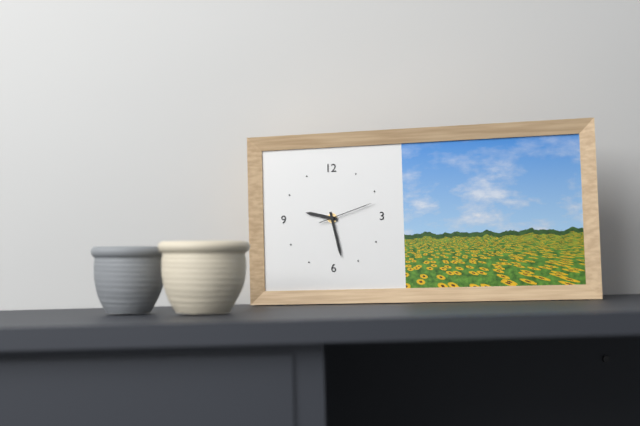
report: 9h28m12s
